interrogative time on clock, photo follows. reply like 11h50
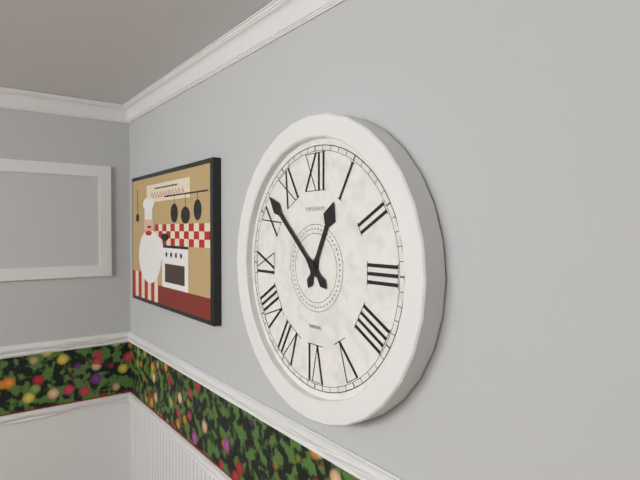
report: 12h52
